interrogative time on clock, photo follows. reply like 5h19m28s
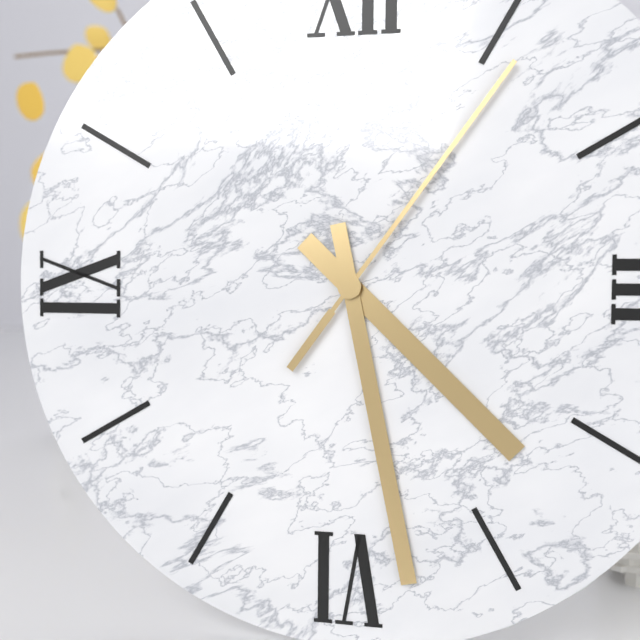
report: 4h28m06s
